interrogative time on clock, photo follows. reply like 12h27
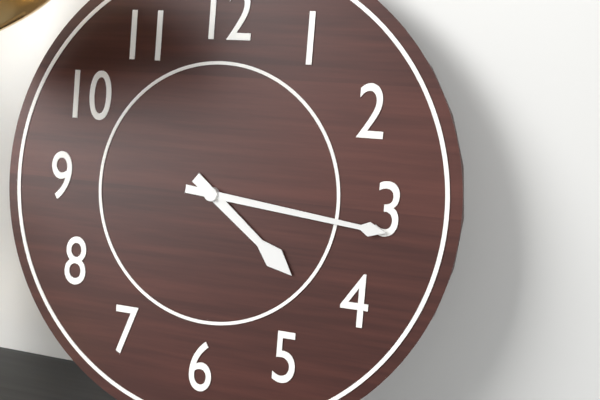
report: 4h16
